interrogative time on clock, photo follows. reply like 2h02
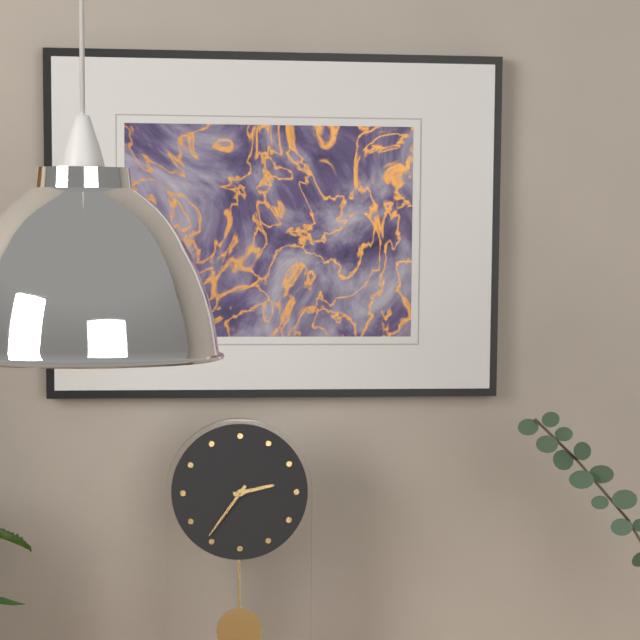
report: 2h36
